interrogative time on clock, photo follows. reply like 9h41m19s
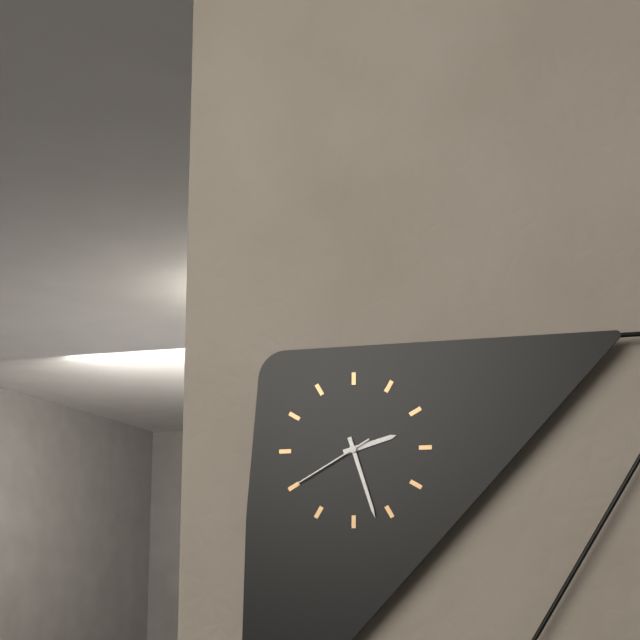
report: 2h27m40s
